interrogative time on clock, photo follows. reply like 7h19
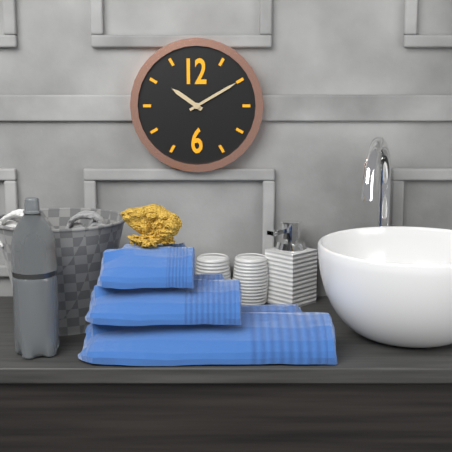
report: 10h10
